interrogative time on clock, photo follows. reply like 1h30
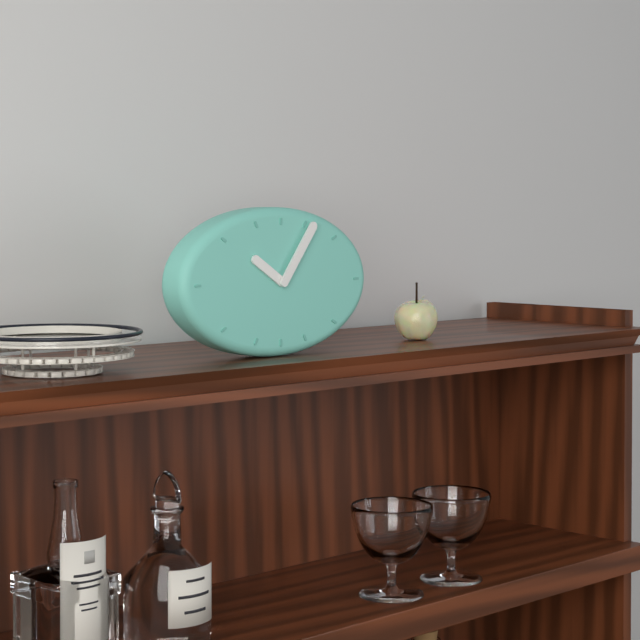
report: 10h06
